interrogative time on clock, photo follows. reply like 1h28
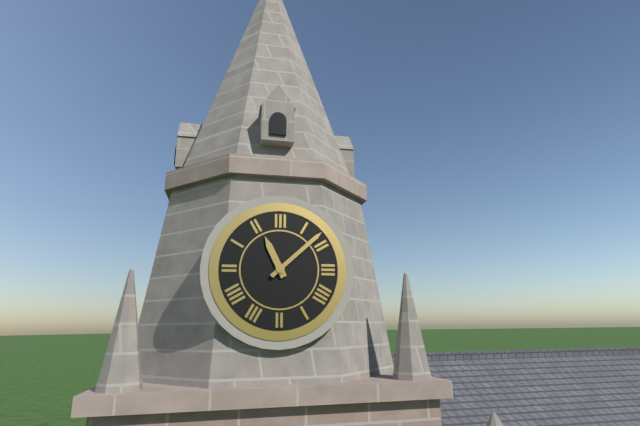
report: 11h08
